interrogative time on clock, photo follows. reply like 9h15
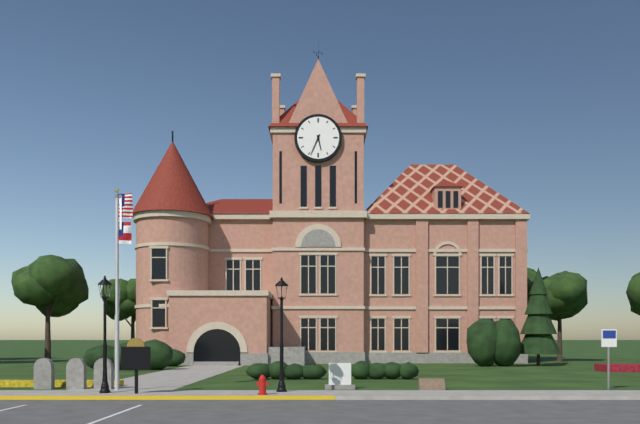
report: 5h34
